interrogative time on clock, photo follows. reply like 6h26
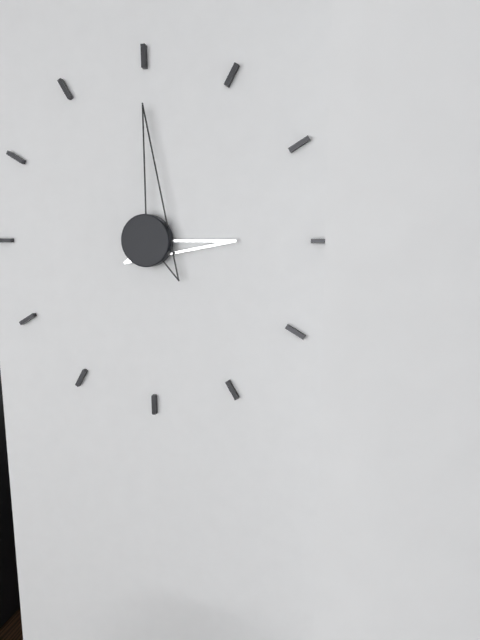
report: 3h00
